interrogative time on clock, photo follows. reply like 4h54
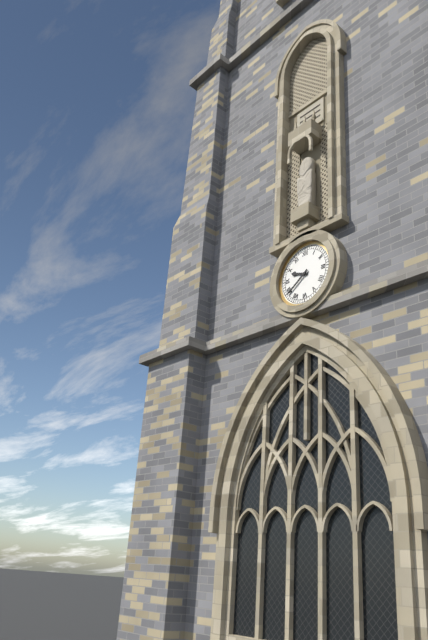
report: 9h39
